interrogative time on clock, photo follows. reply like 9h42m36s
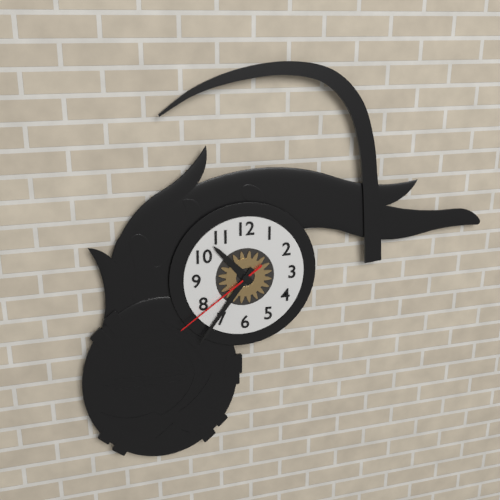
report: 10h36m39s
